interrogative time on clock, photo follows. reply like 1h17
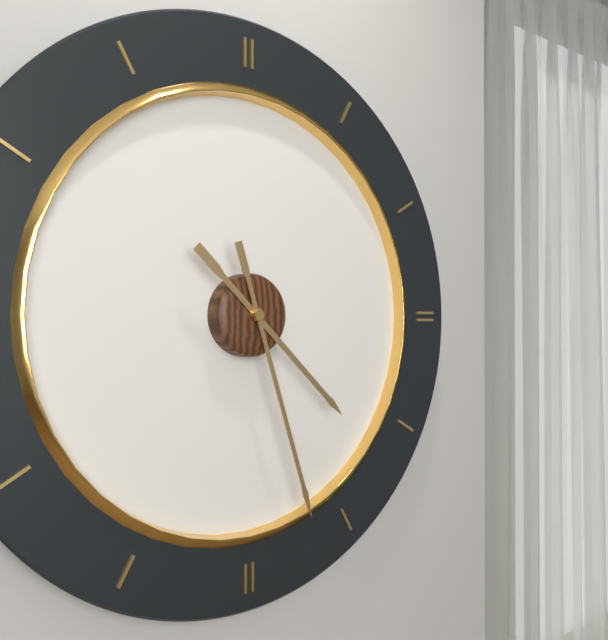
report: 4h27
